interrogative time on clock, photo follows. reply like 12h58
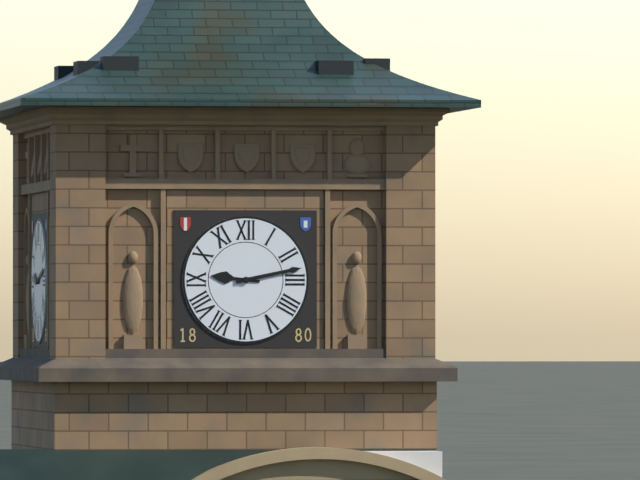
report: 9h13
